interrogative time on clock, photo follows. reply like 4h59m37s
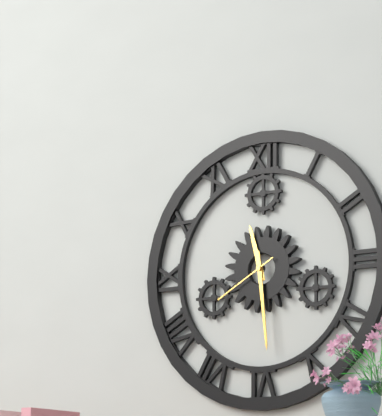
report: 11h29m40s
